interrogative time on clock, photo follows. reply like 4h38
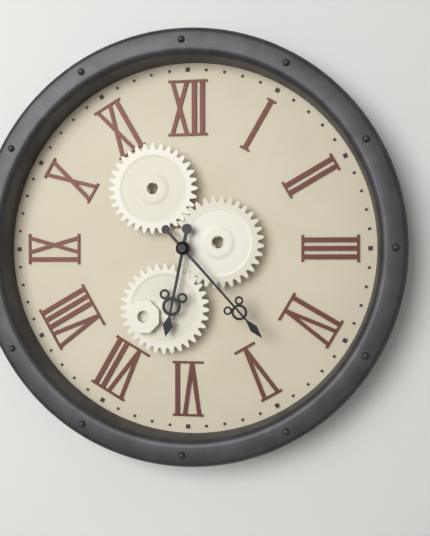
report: 6h23
